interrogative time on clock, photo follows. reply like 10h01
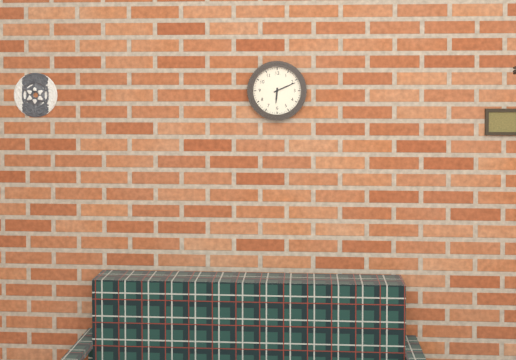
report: 6h11
